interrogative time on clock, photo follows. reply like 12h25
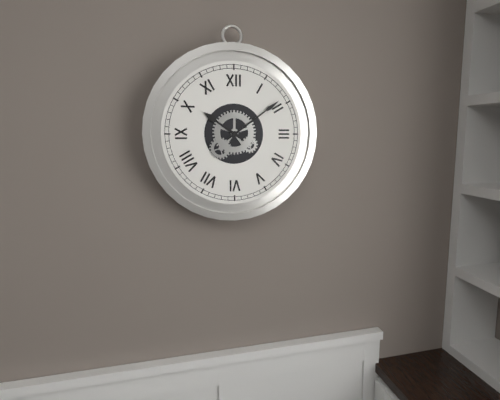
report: 10h09
